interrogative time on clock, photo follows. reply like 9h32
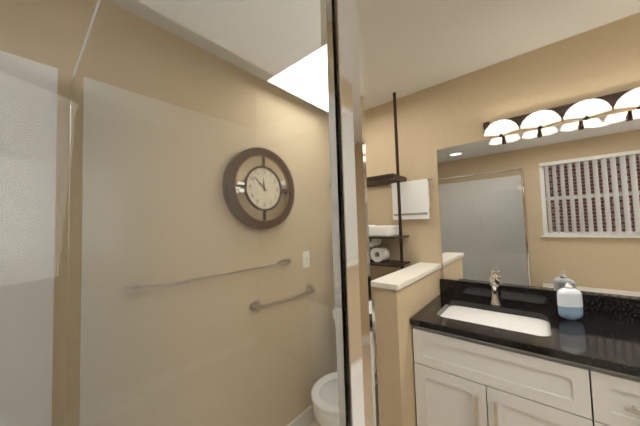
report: 11h52
